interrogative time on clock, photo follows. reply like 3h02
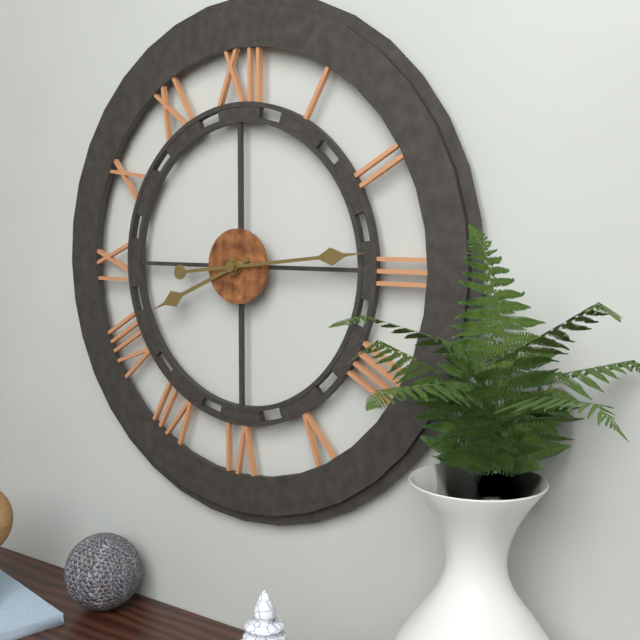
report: 8h14
